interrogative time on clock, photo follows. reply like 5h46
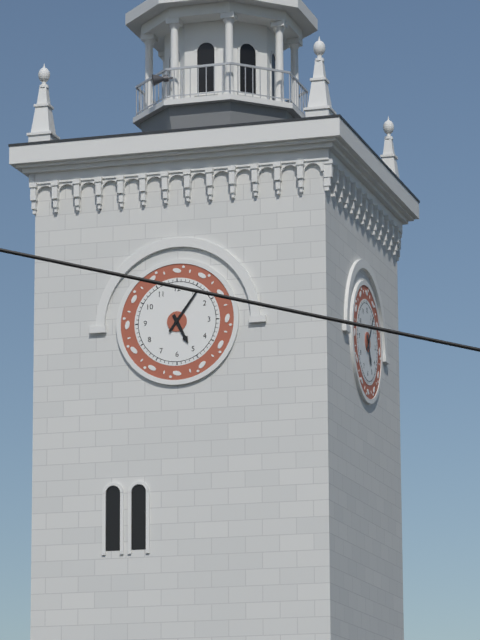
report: 5h06
